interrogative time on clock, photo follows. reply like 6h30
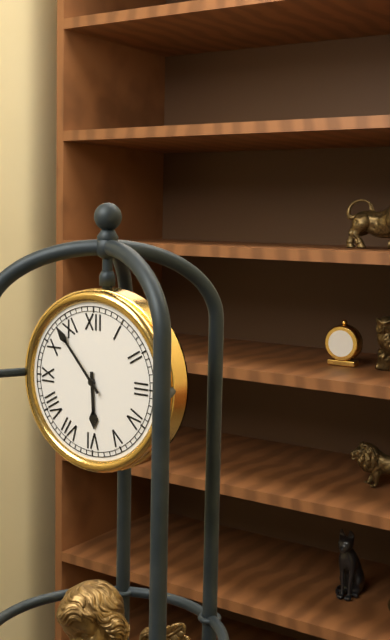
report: 5h53
